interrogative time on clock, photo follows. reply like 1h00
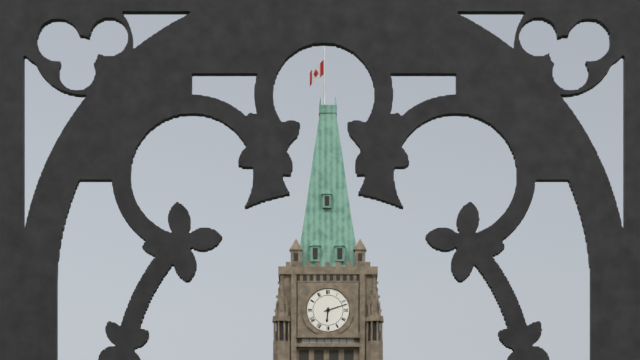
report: 6h12
